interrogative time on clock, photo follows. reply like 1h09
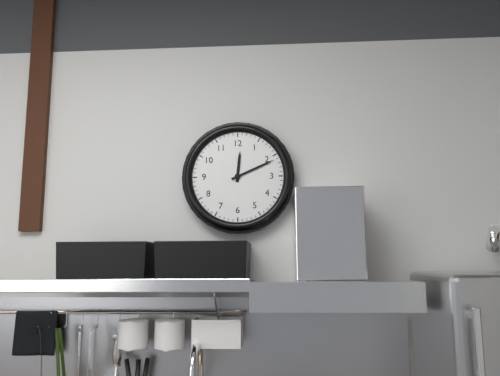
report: 12h11
